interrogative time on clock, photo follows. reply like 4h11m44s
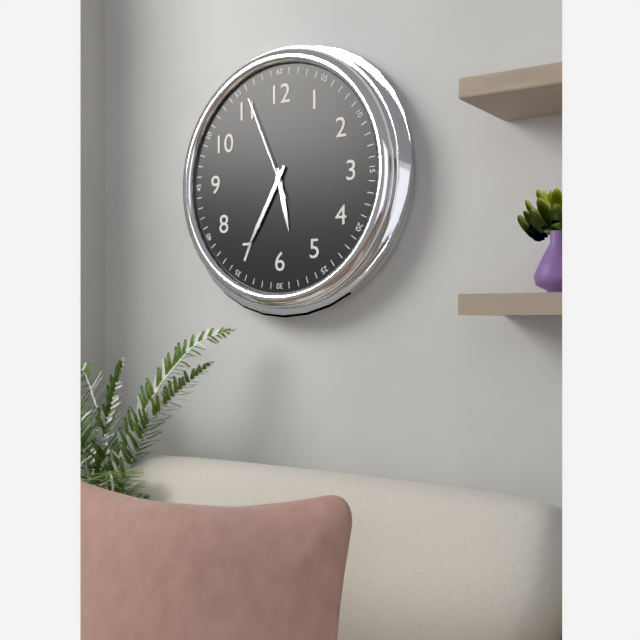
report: 5h35m56s
